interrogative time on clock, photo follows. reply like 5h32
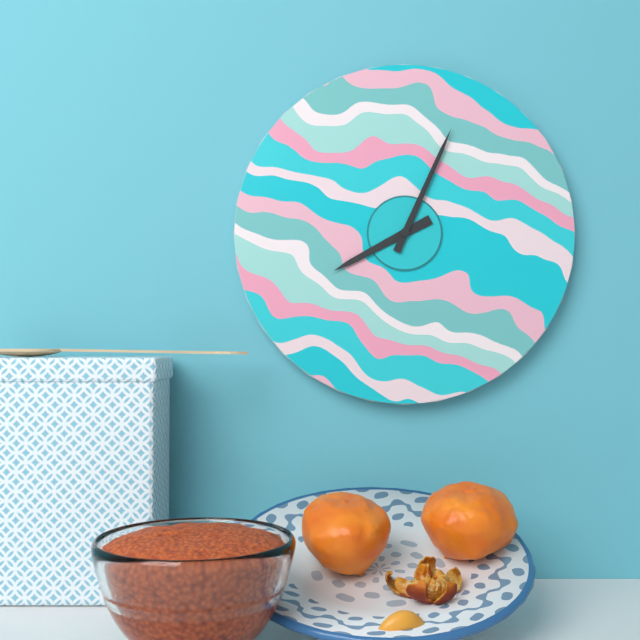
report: 8h04
